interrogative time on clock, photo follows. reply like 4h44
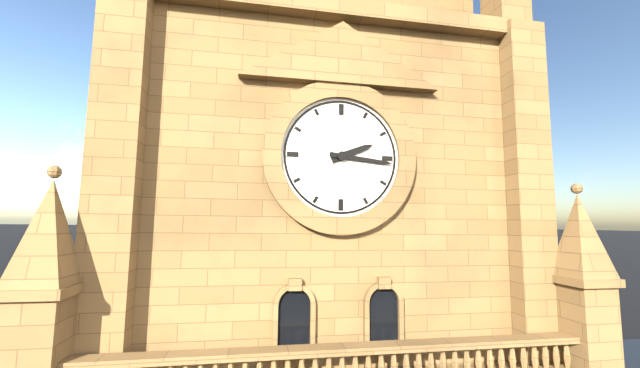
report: 2h16
